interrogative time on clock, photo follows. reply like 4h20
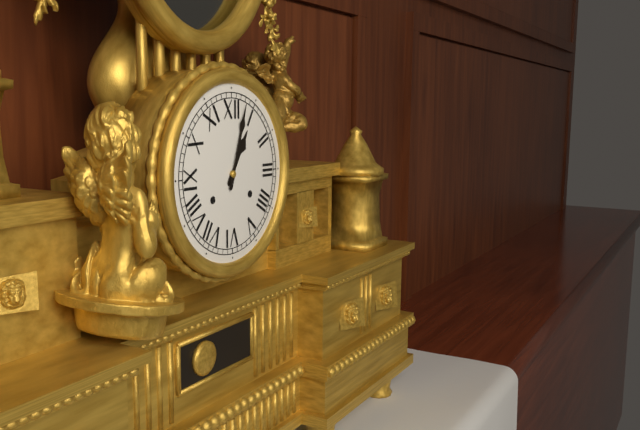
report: 1h03
